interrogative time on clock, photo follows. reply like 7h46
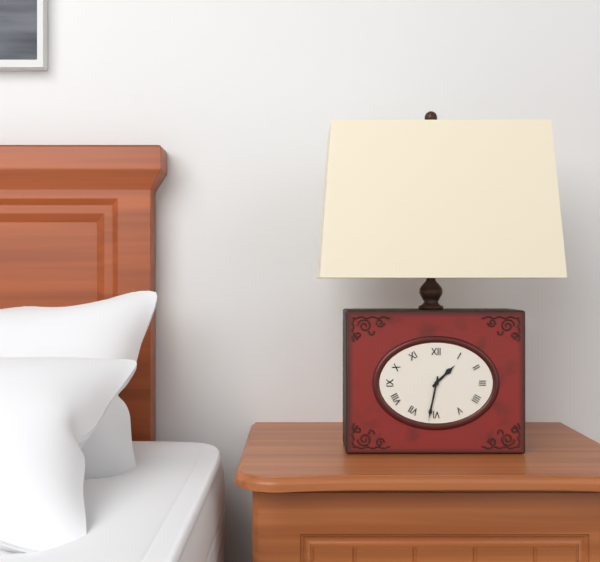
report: 1h32
